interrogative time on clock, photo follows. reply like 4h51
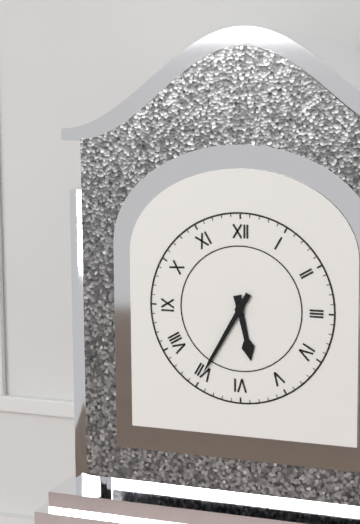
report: 5h35
